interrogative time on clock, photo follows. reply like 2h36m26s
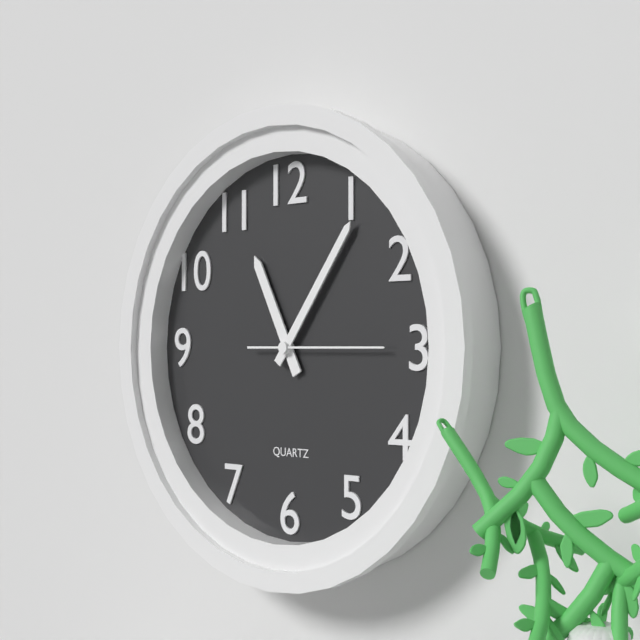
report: 11h06m15s
